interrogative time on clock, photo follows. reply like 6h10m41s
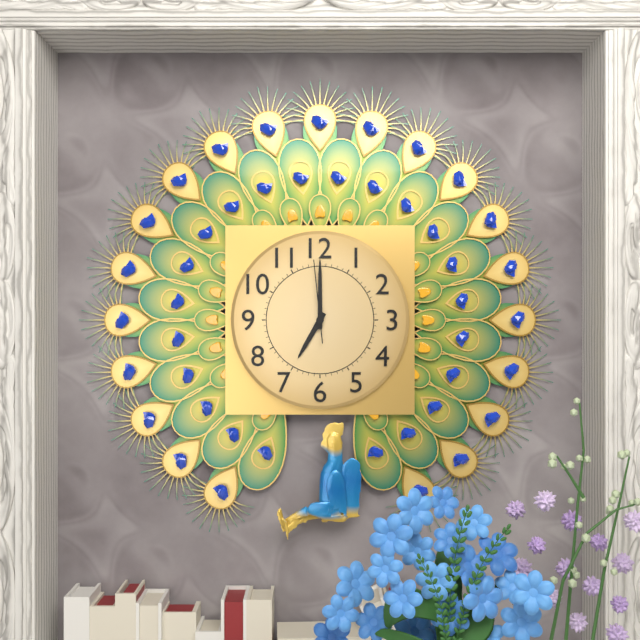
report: 7h00m59s
